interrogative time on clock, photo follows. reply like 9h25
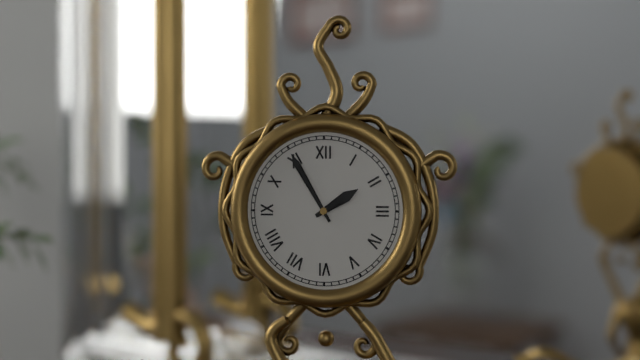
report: 1h55
